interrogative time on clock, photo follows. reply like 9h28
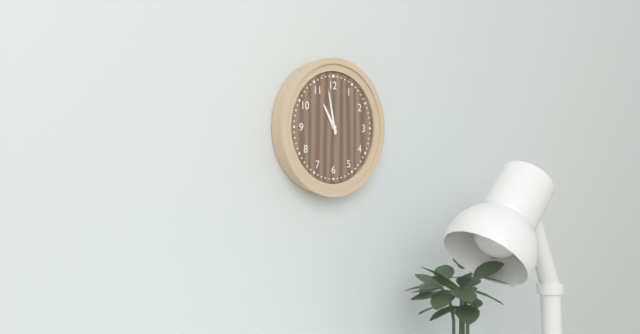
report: 10h58
